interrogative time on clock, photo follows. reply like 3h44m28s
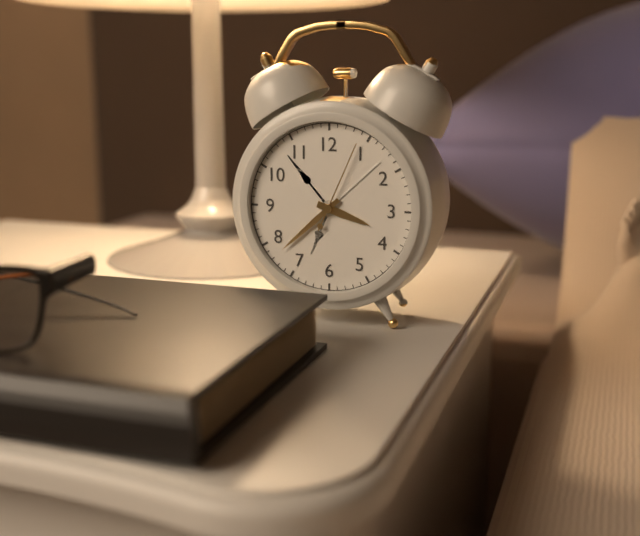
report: 3h38m04s
